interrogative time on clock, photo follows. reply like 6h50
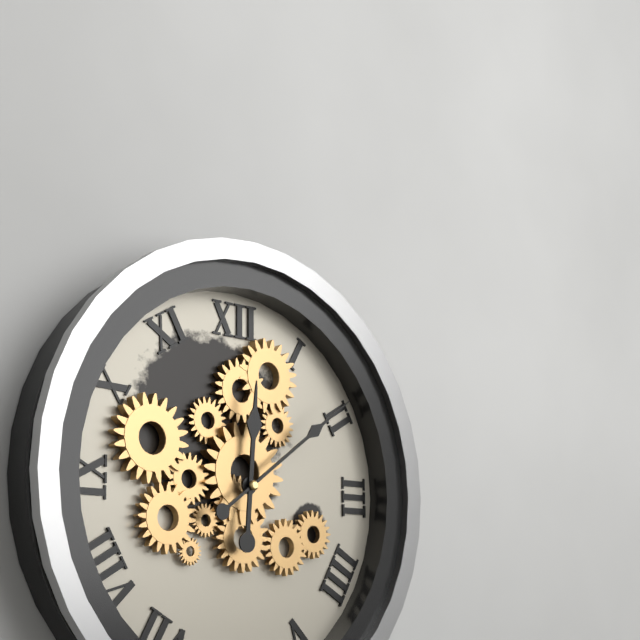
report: 12h09
